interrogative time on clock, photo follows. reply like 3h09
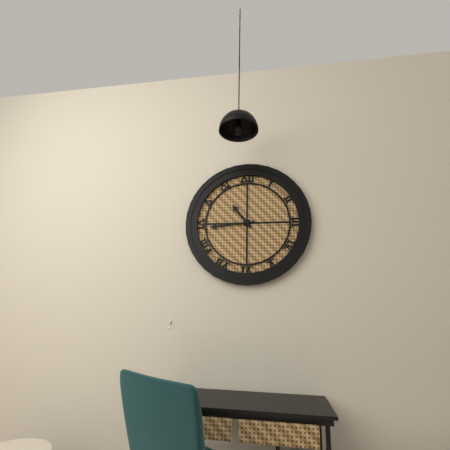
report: 10h44
